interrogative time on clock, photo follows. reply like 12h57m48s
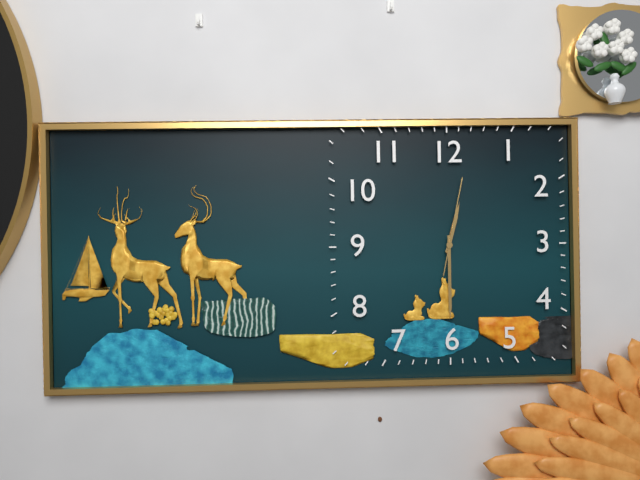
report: 12h30m02s
